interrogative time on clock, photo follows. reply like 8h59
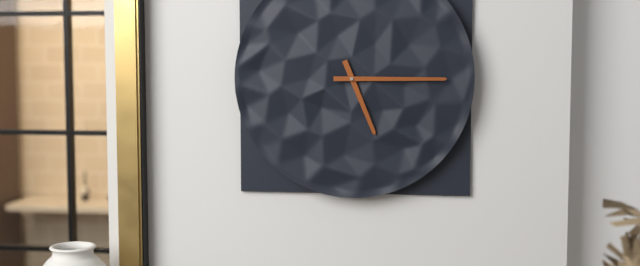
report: 5h15
